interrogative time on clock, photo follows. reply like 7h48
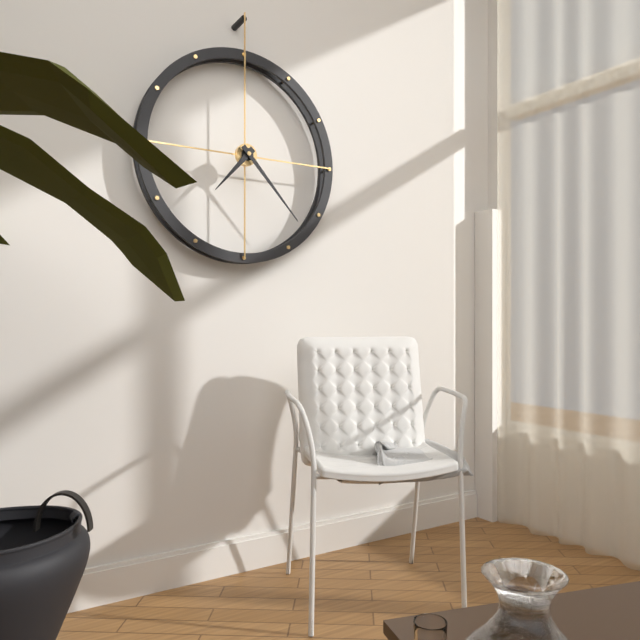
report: 7h23
